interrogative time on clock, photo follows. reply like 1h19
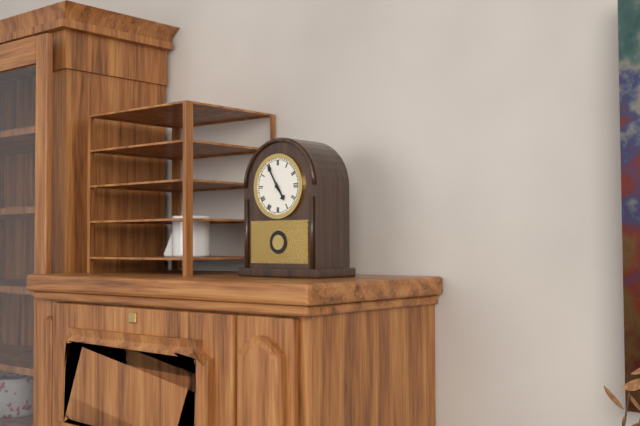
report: 4h55
